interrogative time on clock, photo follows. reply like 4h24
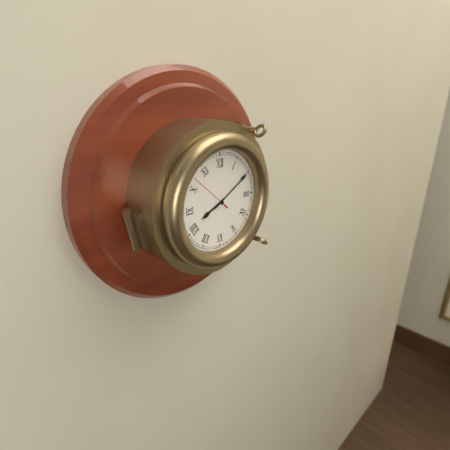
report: 8h10
